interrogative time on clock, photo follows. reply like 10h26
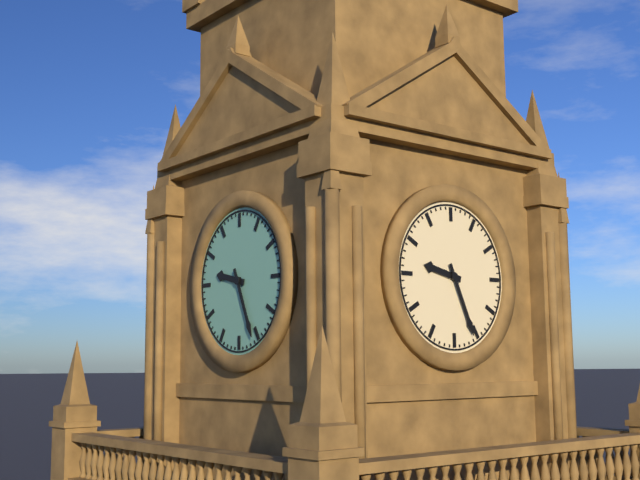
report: 9h26
